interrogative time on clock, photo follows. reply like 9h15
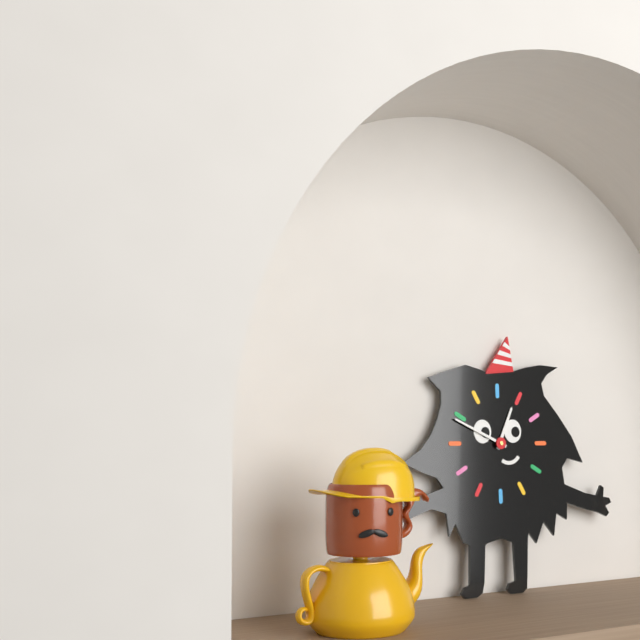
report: 12h49
